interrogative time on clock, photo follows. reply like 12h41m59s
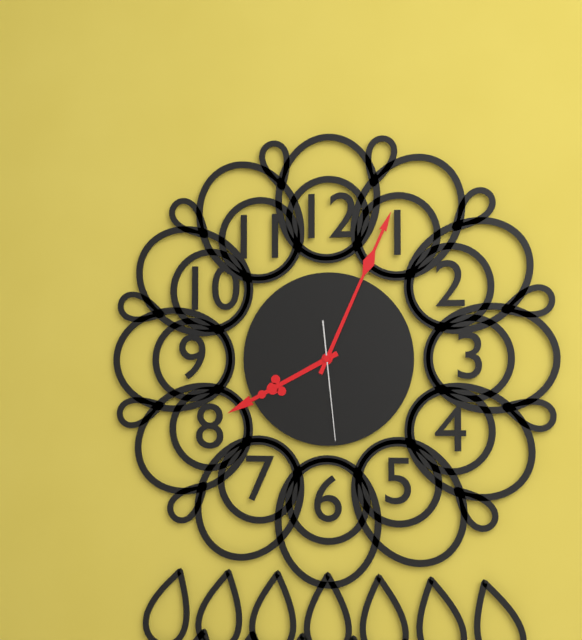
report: 8h04m29s
